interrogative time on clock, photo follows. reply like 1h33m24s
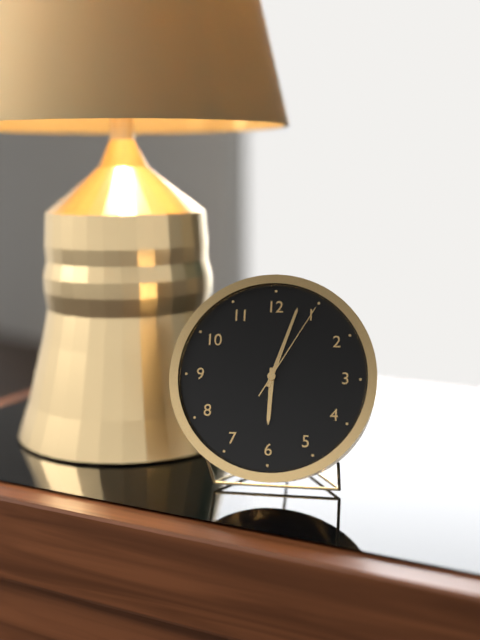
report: 6h03m05s
